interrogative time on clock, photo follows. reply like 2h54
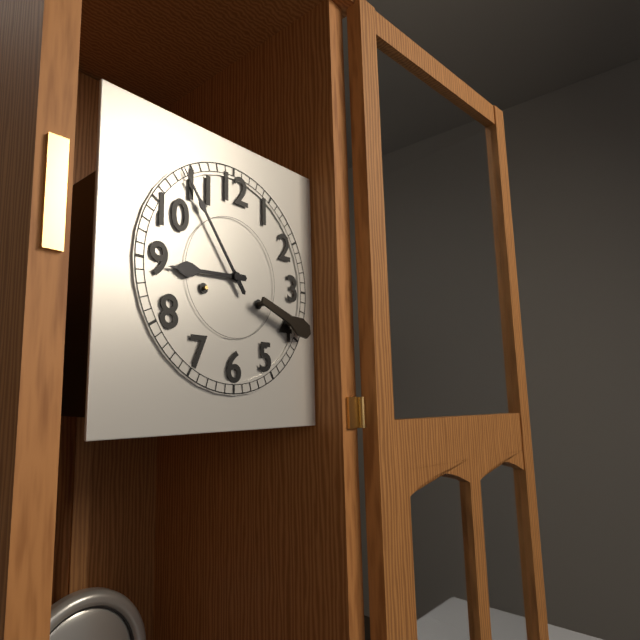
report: 8h54
